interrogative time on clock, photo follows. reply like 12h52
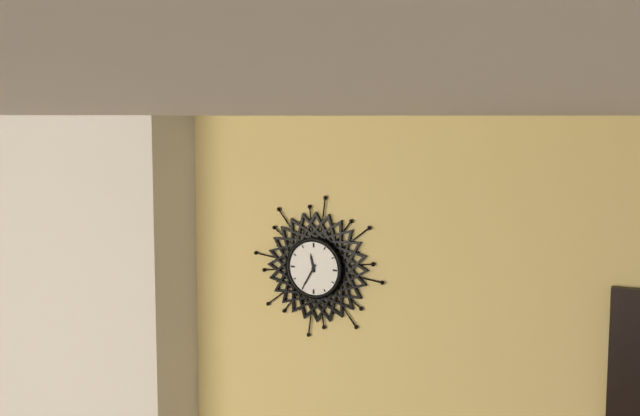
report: 11h35
